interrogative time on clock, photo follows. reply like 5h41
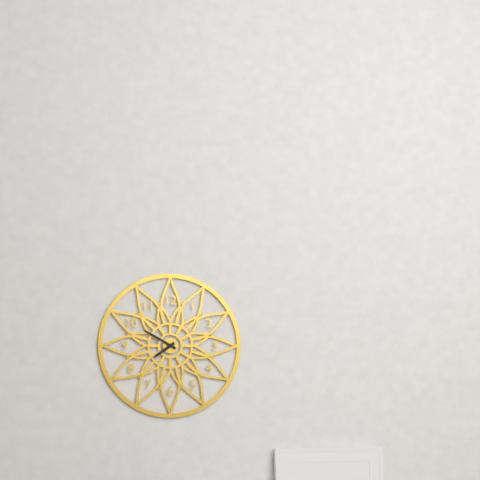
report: 7h50
